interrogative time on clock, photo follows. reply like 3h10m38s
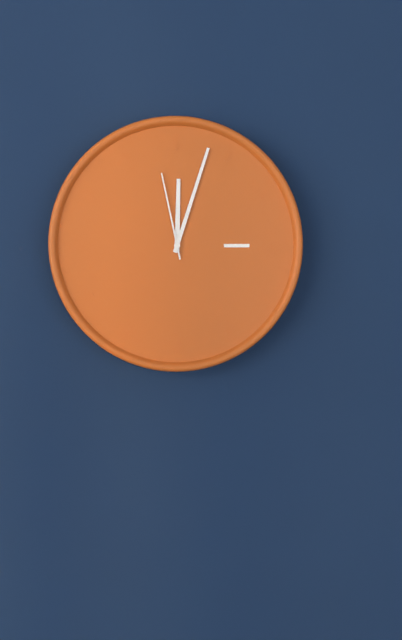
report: 12h03m58s
